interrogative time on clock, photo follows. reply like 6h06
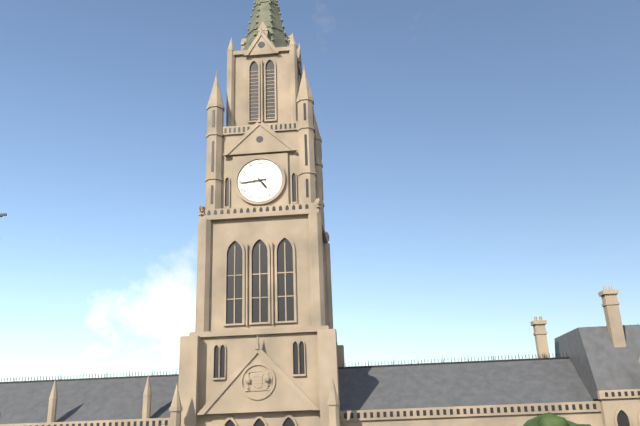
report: 4h44
